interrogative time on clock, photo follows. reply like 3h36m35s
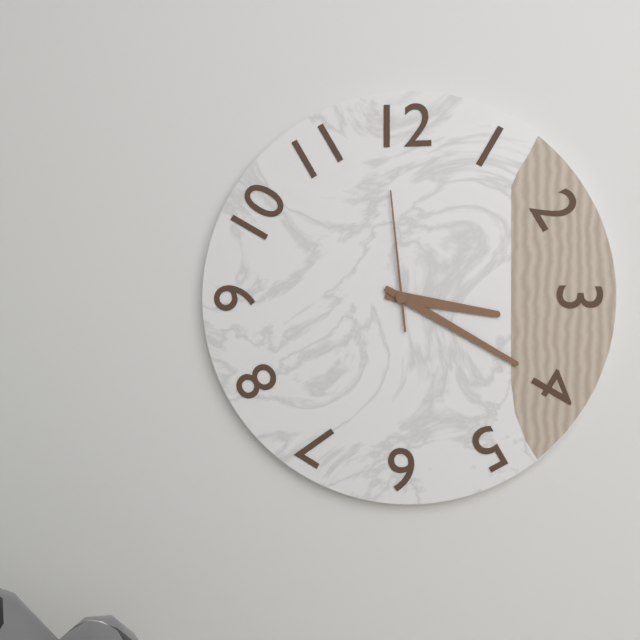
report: 3h20m59s
